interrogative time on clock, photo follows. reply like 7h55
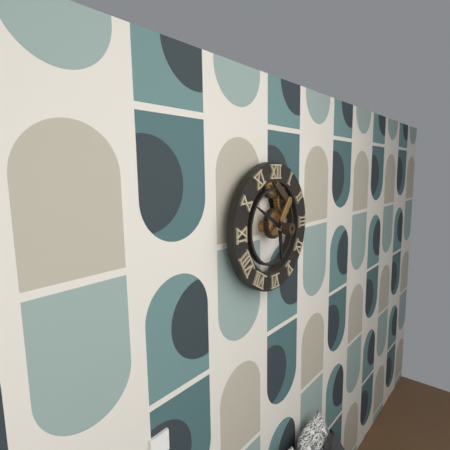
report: 5h50
